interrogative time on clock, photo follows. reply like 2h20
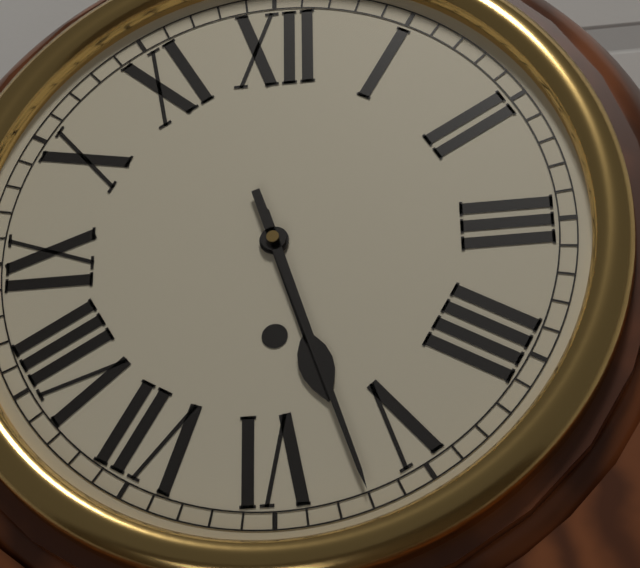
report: 5h27
